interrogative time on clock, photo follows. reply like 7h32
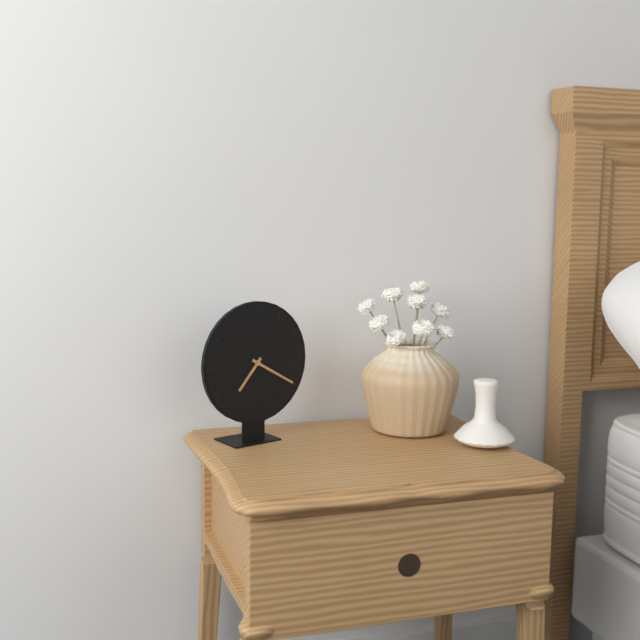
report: 7h20
